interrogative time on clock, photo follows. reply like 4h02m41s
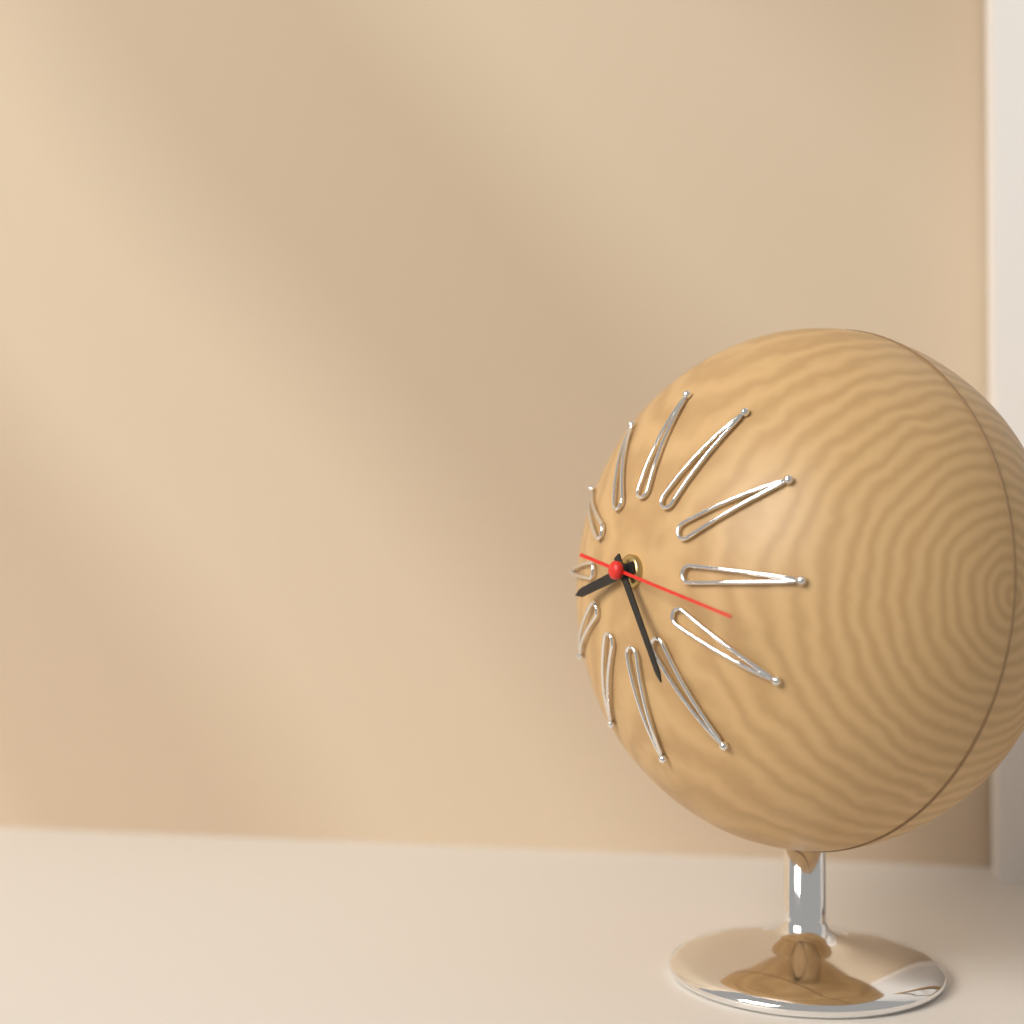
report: 8h24m17s
